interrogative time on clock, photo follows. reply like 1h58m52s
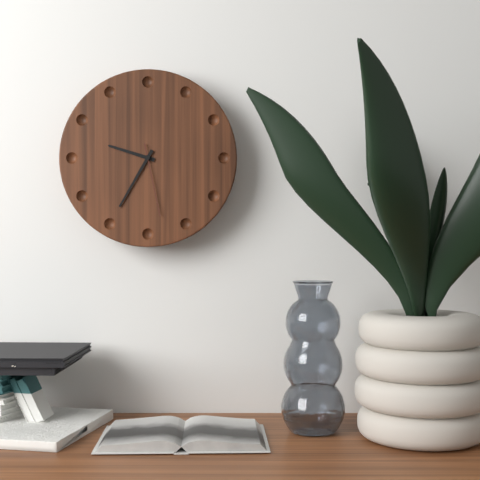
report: 9h35m28s
